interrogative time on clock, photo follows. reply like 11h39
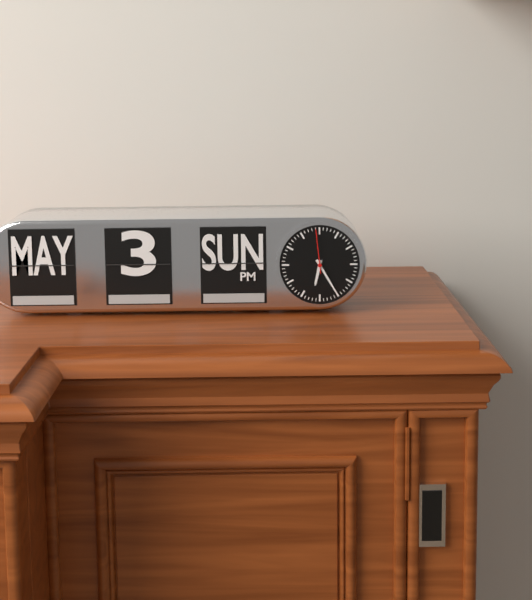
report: 6h25
